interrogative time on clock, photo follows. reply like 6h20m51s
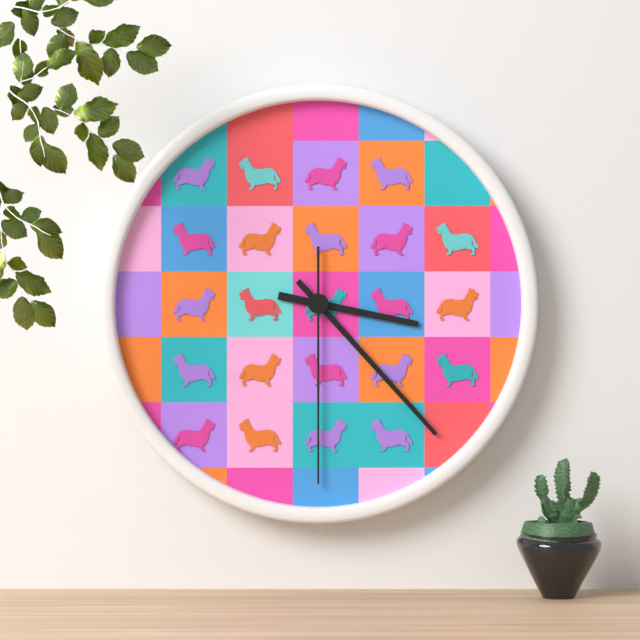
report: 3h23m30s
